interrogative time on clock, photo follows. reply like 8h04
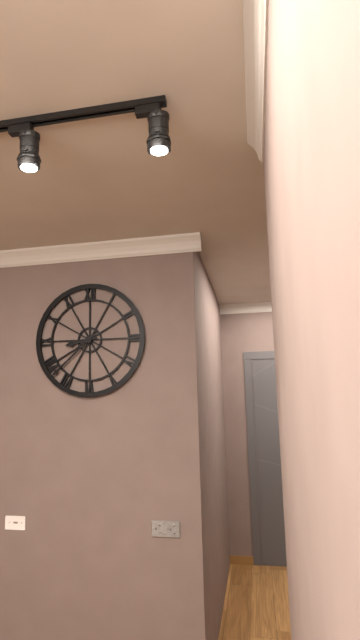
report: 8h38
